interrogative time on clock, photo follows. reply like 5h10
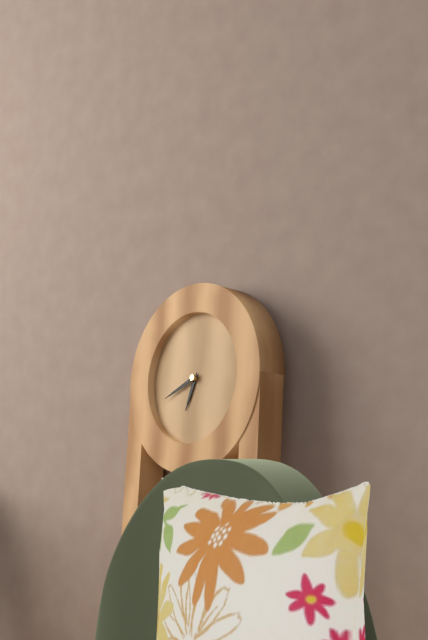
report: 6h41
